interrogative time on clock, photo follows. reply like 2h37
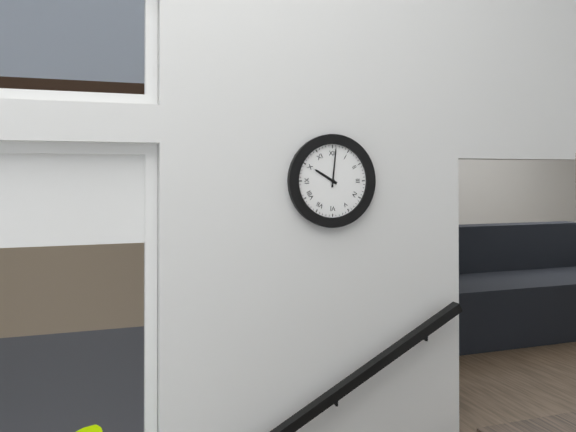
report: 10h01
